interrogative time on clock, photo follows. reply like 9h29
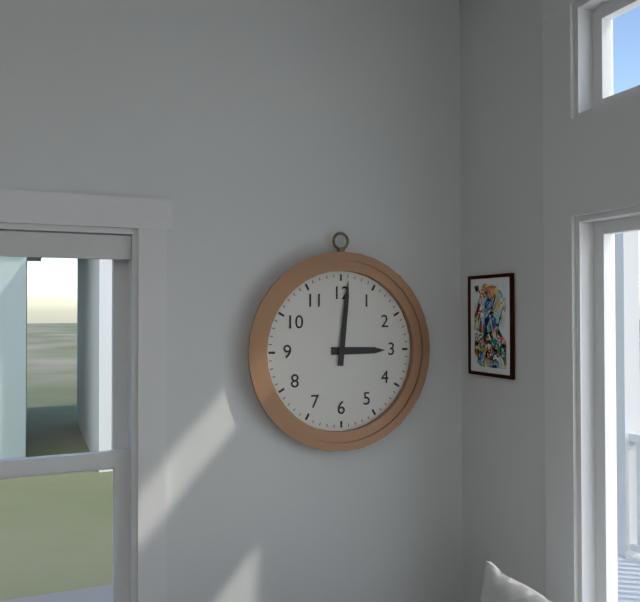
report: 3h01
